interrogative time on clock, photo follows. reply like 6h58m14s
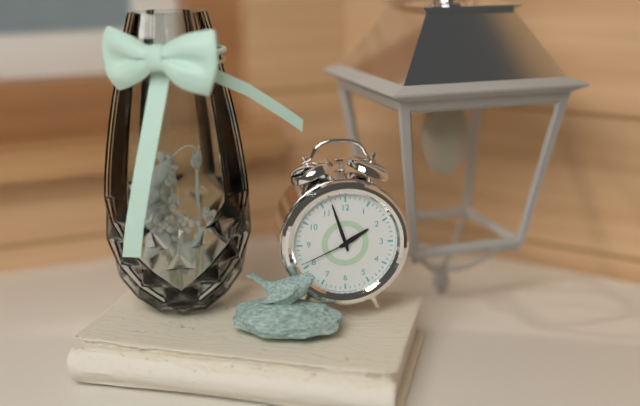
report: 1h57m41s
